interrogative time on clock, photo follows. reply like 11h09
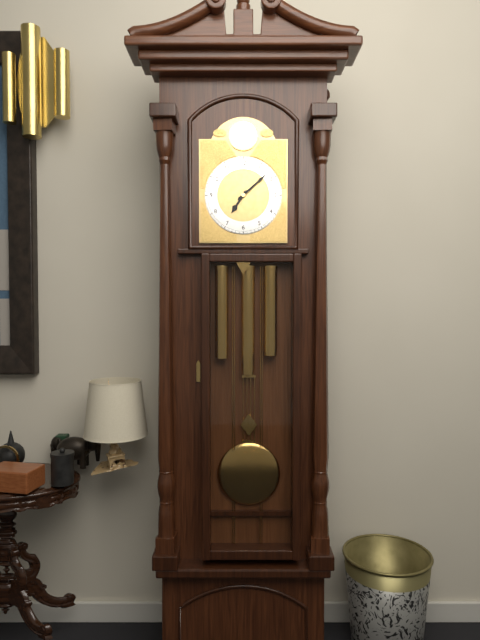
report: 7h08
